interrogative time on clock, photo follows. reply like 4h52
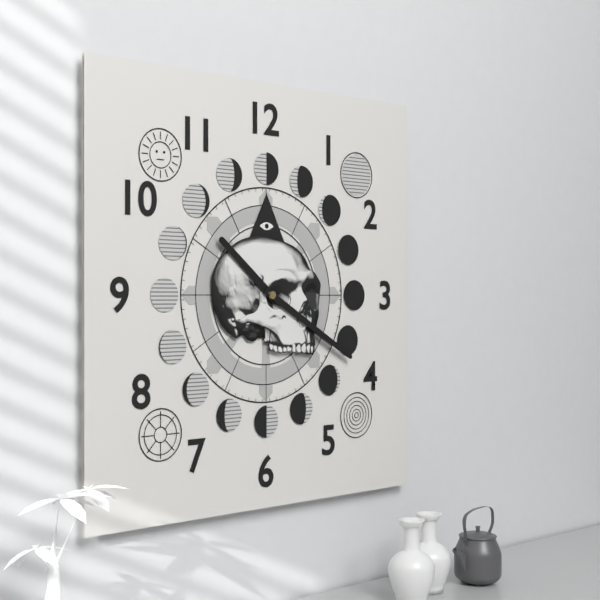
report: 10h20
